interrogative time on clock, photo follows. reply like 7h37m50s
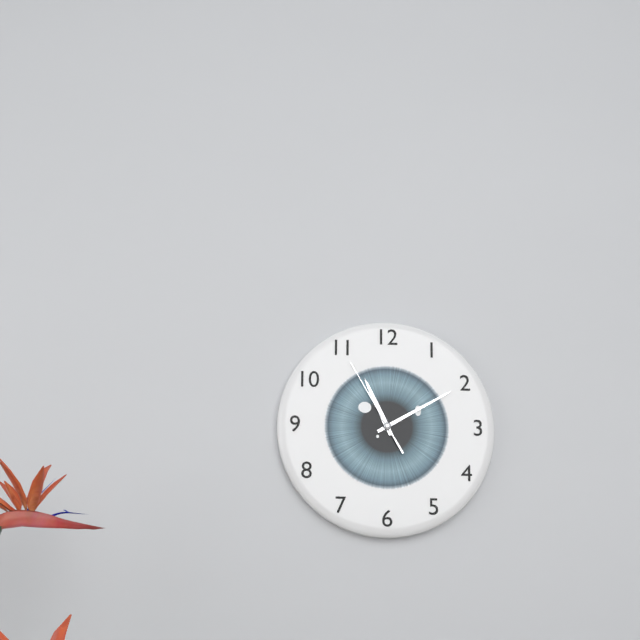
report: 11h10m55s
